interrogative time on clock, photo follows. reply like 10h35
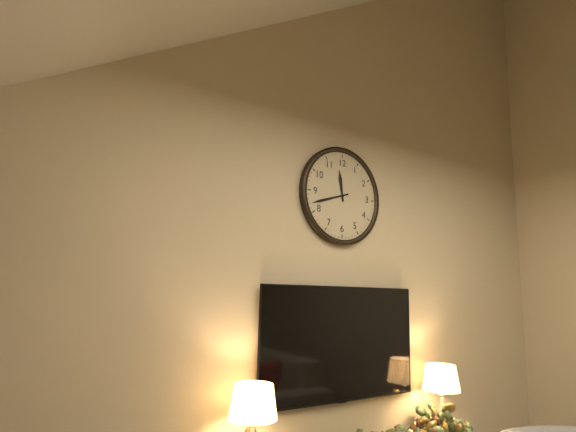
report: 11h42
